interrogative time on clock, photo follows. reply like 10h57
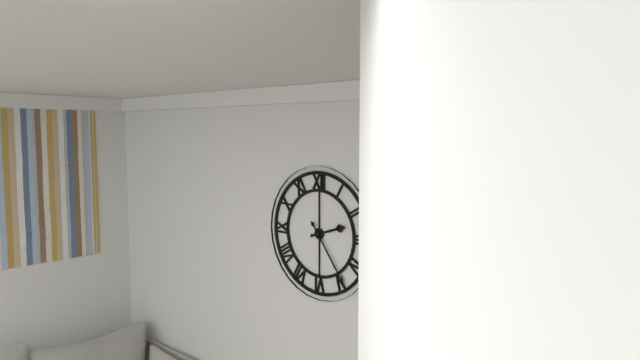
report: 2h24
